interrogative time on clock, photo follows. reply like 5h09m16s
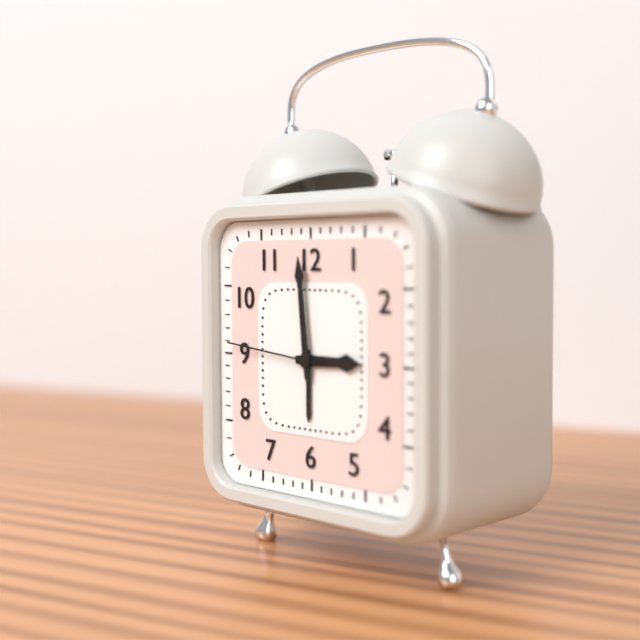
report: 2h59m46s
